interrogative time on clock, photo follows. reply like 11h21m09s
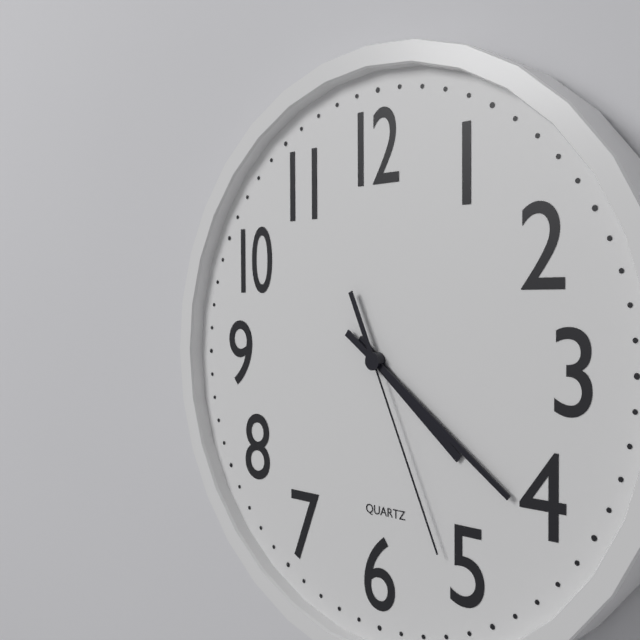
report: 4h21m26s
